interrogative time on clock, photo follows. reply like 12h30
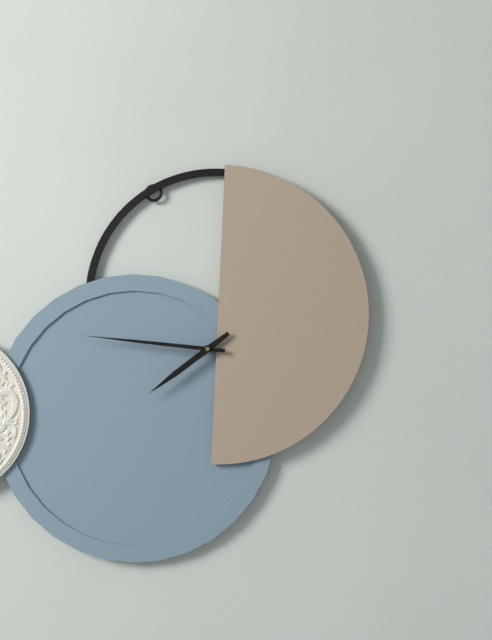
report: 7h46
